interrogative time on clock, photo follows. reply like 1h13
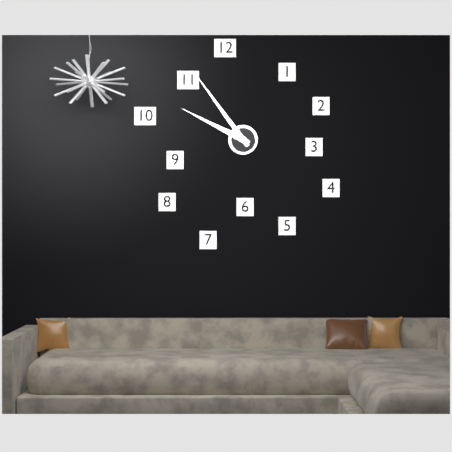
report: 9h54
